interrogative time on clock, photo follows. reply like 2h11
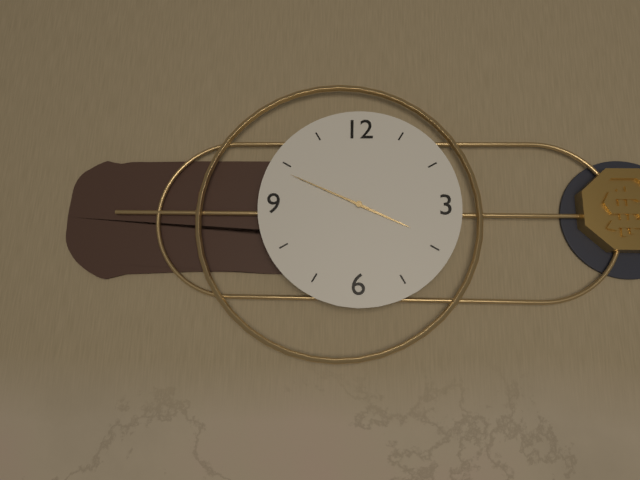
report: 3h49
